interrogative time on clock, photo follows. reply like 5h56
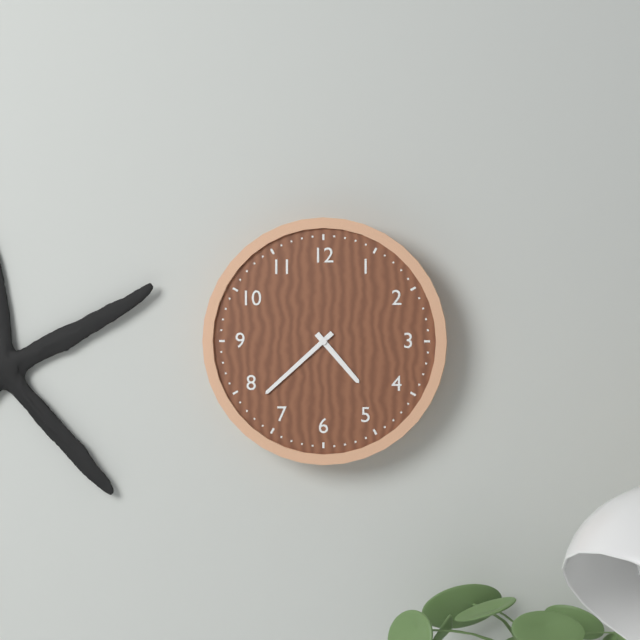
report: 4h38
